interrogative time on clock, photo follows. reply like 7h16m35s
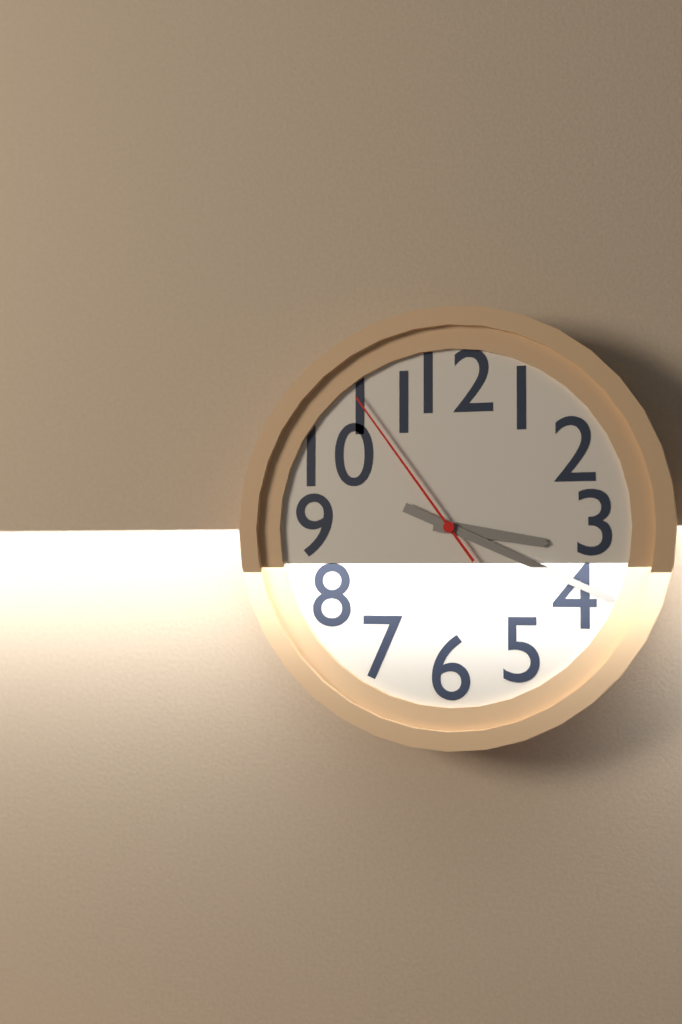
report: 3h19m54s
